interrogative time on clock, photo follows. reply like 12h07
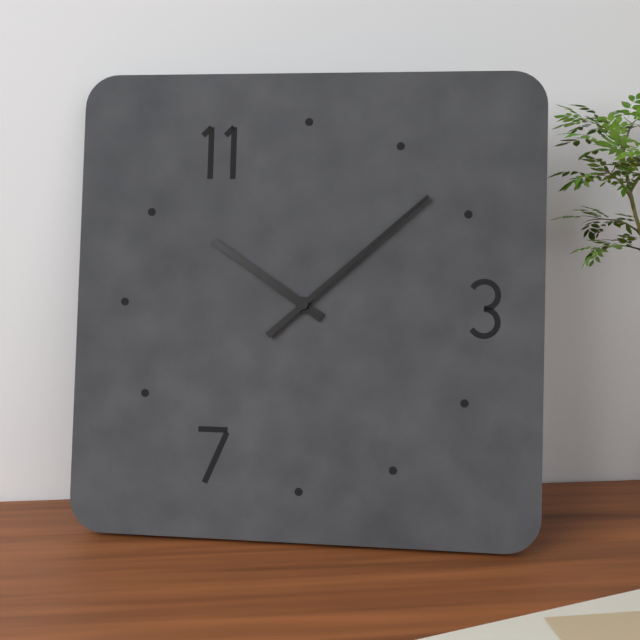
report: 10h08
